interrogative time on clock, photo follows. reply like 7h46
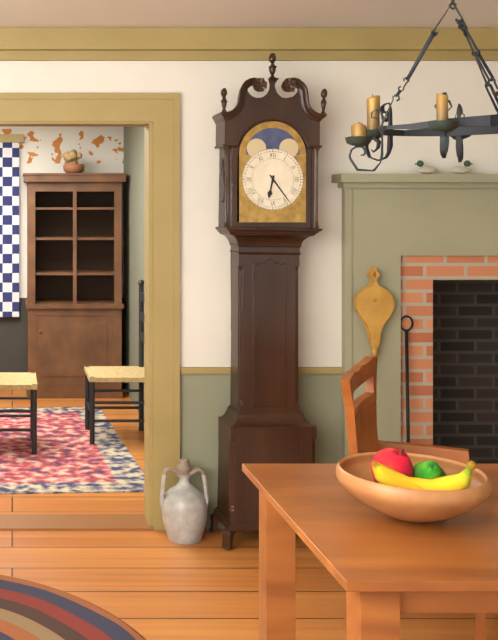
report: 6h24
